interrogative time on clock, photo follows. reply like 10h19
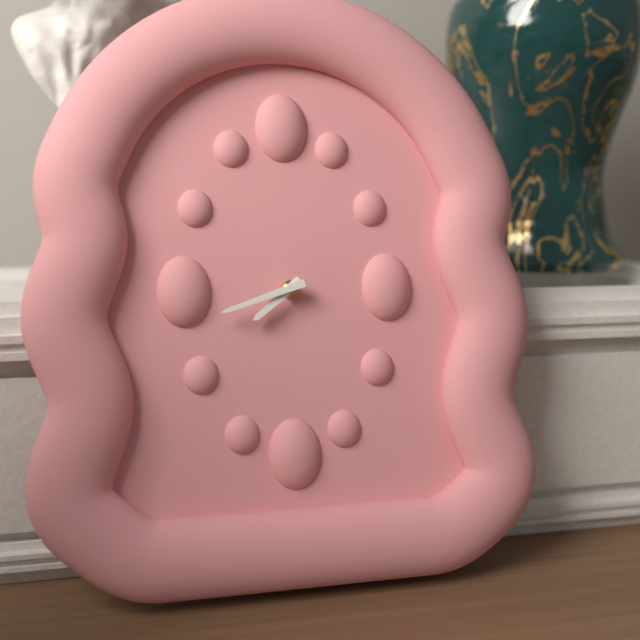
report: 7h42
